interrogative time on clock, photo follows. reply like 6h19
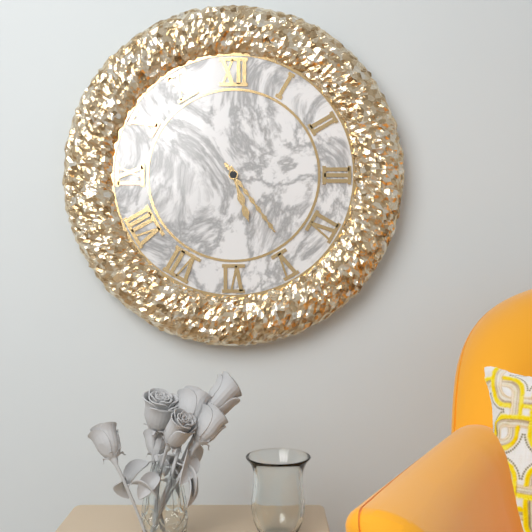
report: 5h24
